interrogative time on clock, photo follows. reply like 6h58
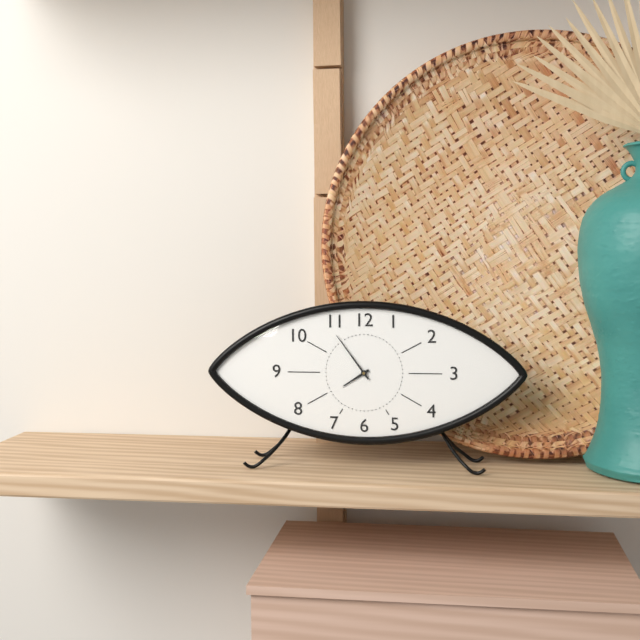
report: 7h54
